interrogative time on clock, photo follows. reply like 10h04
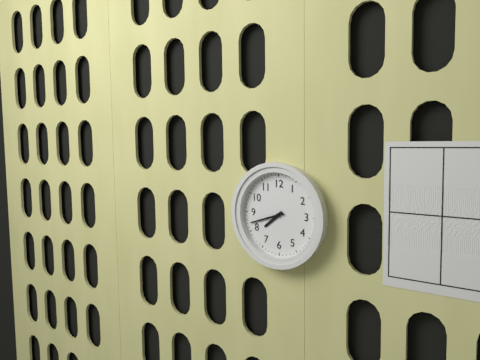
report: 7h42
